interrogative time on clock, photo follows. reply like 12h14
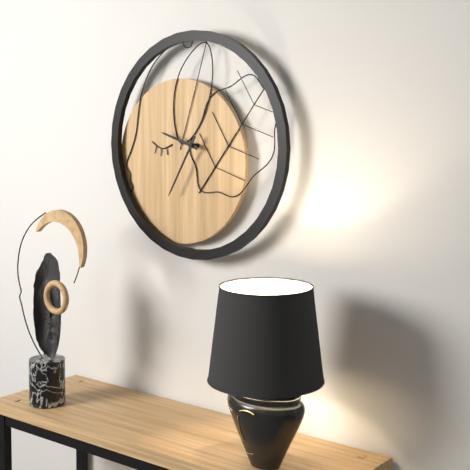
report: 9h35
